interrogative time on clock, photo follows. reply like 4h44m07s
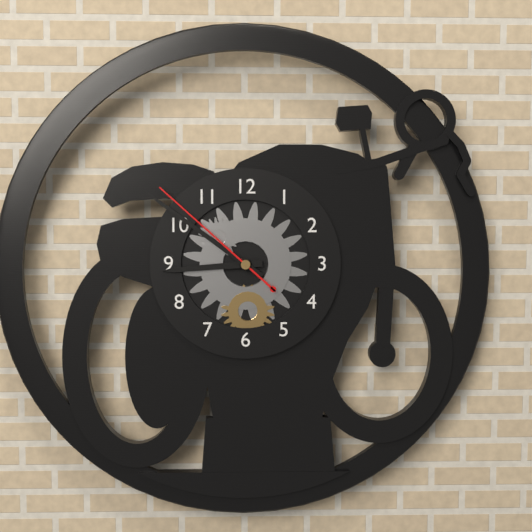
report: 8h51m52s
